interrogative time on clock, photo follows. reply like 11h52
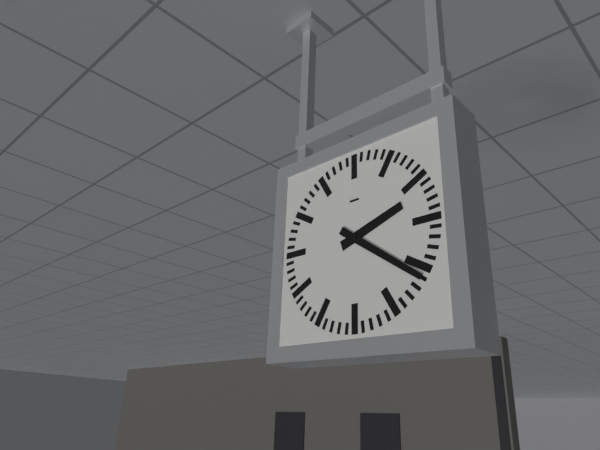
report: 2h21
